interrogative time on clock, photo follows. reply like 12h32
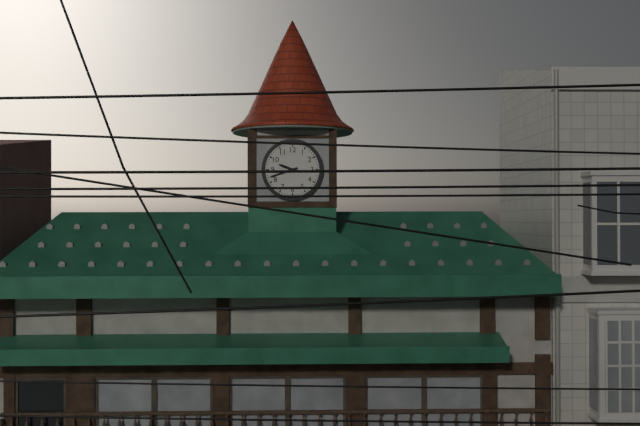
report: 9h42
